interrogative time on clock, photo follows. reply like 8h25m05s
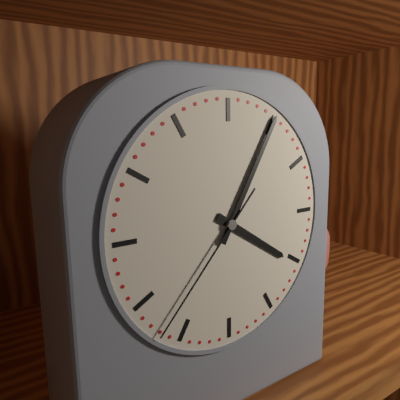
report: 4h05m37s
